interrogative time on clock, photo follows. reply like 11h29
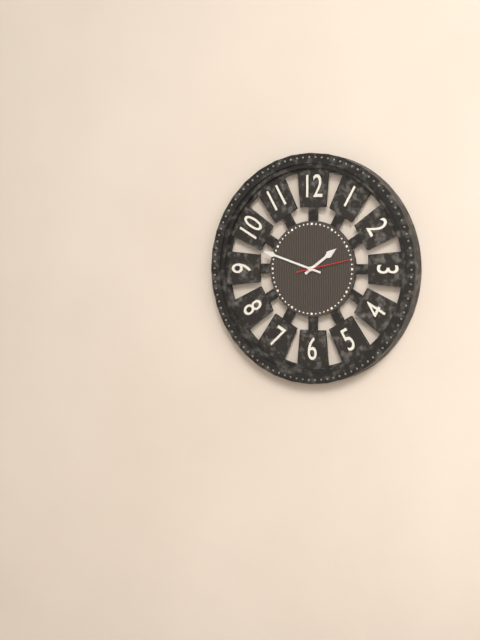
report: 1h48
